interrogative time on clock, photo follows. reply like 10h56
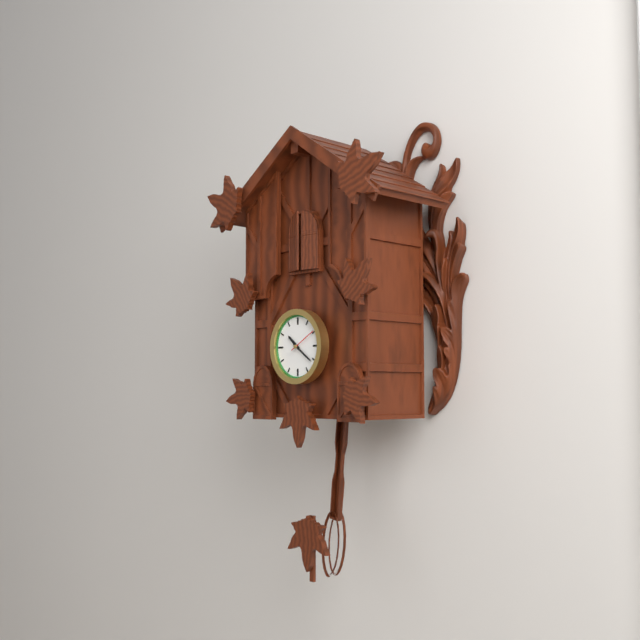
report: 10h21
